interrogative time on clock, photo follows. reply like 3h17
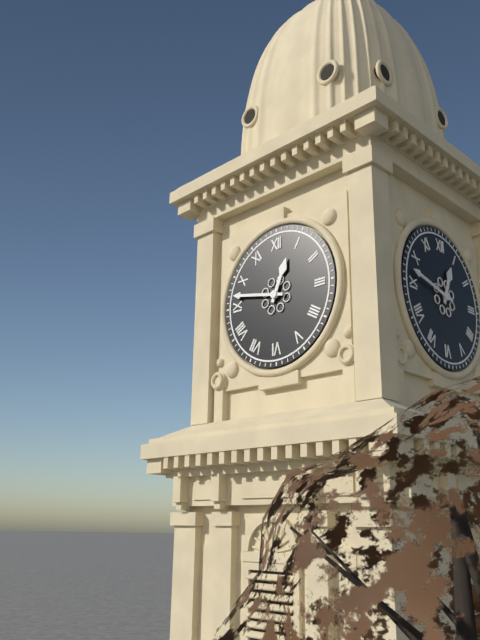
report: 12h47
